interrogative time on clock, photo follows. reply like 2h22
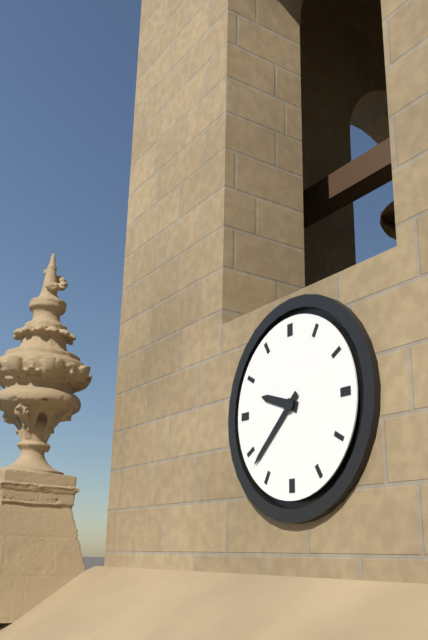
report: 9h38
